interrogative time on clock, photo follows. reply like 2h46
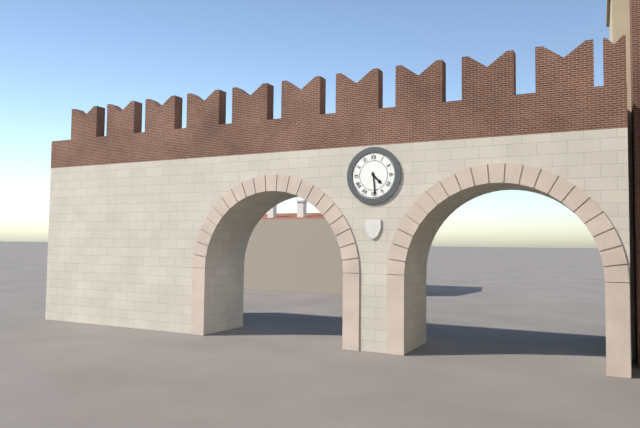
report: 4h29
